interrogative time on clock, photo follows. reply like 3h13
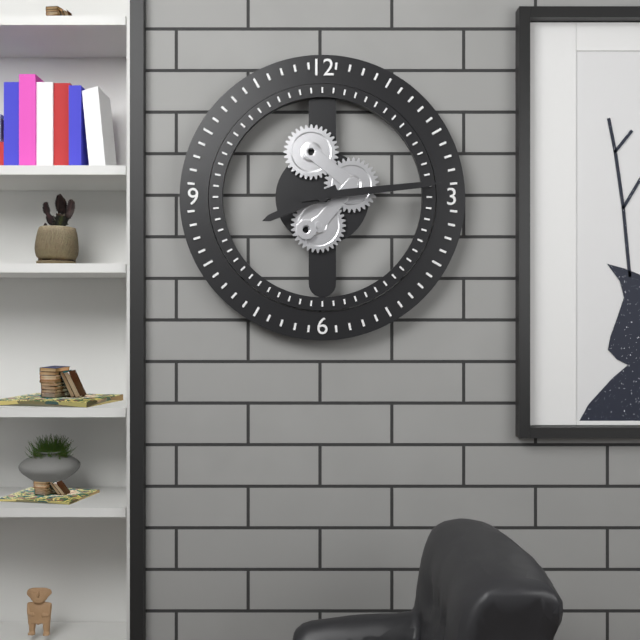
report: 8h14
